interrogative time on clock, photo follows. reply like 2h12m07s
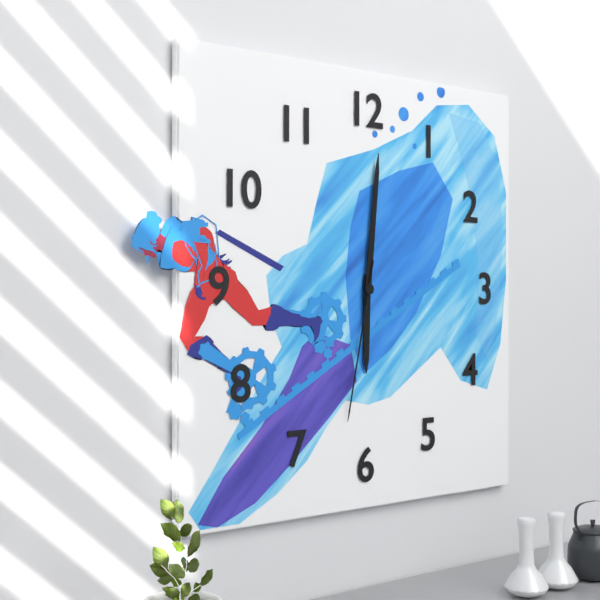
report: 6h01m32s
